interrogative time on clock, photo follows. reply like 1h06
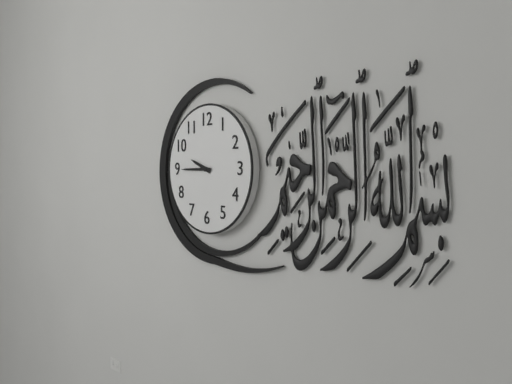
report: 9h45
